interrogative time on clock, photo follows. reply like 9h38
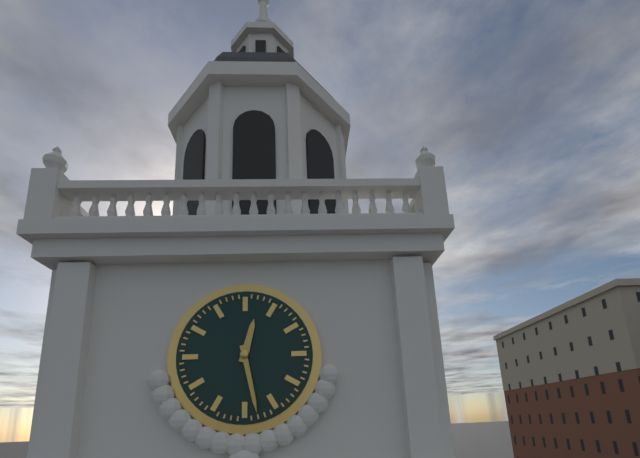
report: 12h28
